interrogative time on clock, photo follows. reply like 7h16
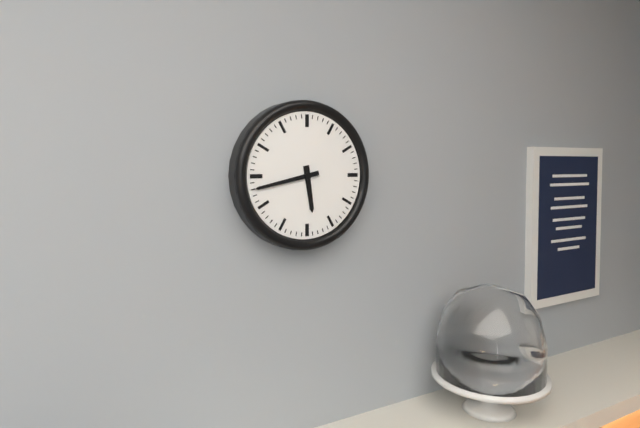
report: 5h43
